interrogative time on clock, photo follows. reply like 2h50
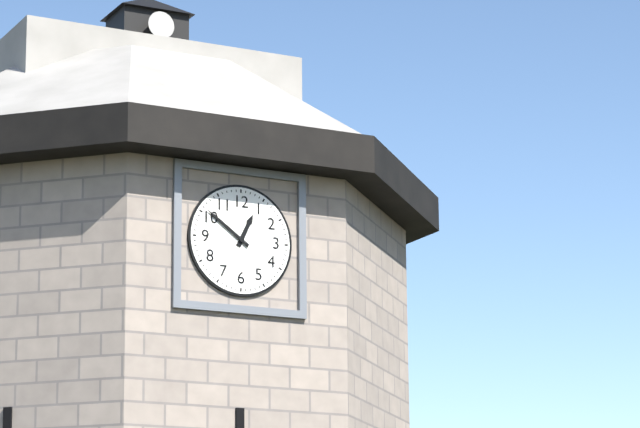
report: 12h51
